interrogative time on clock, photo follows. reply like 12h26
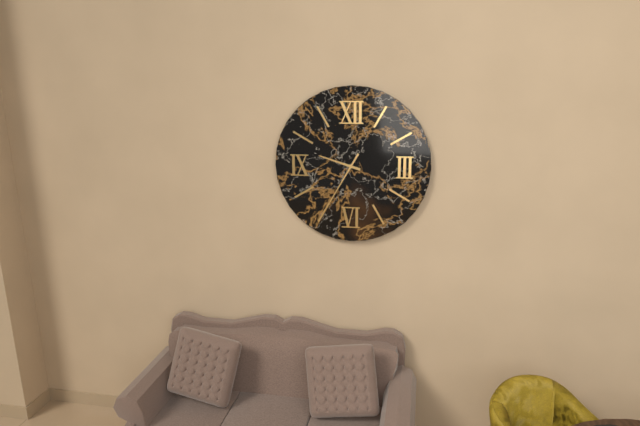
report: 9h35
